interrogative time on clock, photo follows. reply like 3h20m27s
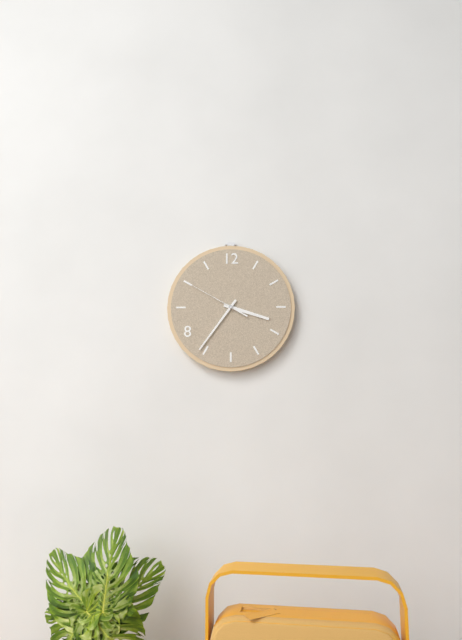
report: 3h36m50s
